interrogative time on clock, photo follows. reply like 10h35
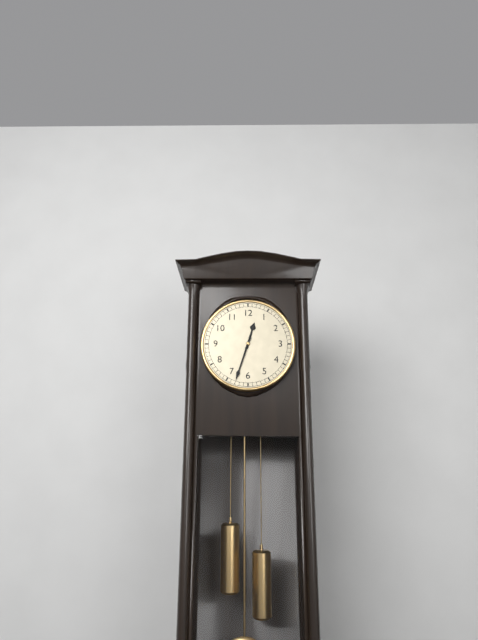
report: 12h33
